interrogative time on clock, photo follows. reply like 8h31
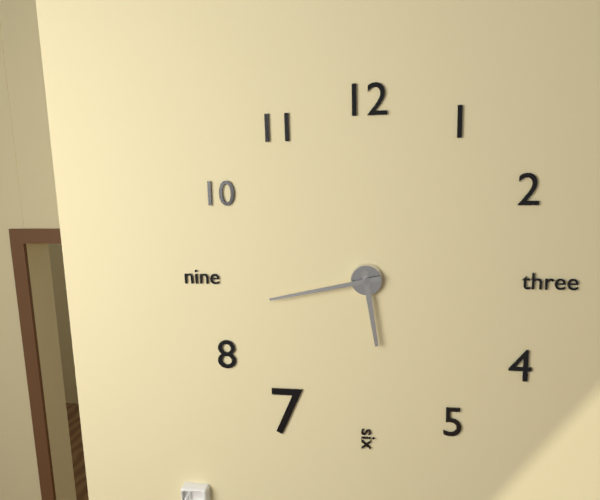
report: 5h43
